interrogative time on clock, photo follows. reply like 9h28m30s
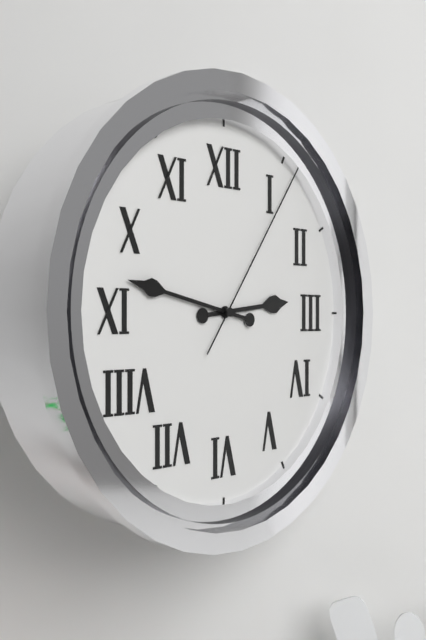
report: 2h47m06s
